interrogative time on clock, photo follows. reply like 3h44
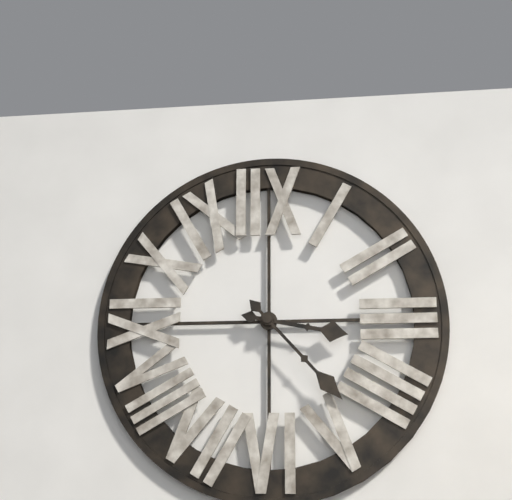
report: 3h23
